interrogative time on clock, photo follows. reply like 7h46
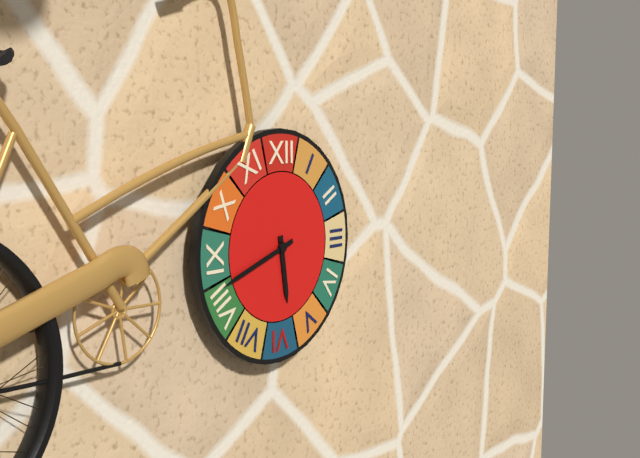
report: 5h42
